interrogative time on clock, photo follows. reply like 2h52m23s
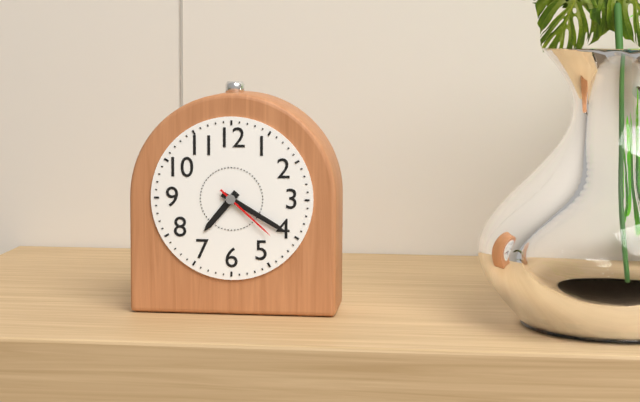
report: 7h20m22s
